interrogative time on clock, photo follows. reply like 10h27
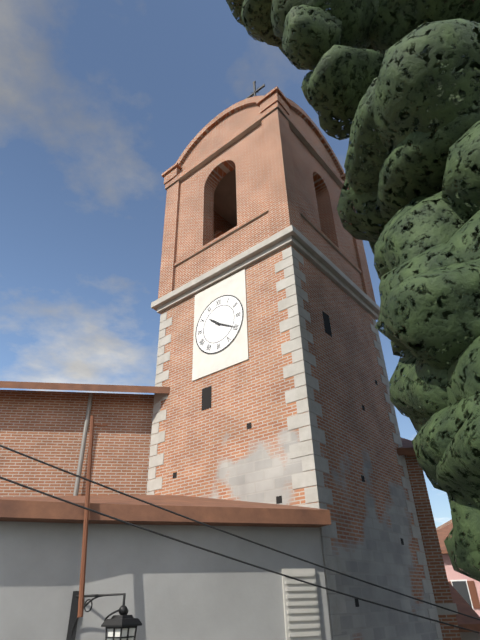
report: 10h20
